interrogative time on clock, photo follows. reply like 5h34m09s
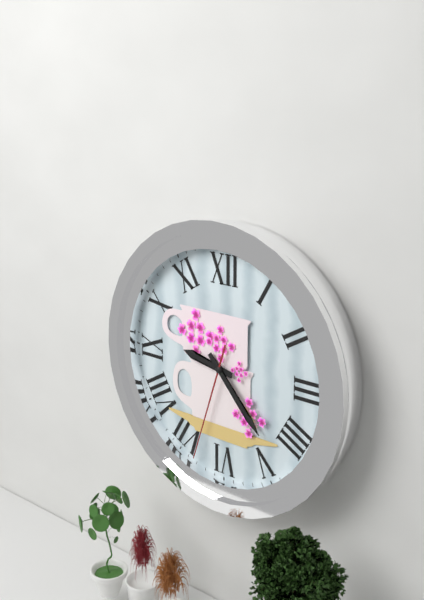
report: 9h23m33s
